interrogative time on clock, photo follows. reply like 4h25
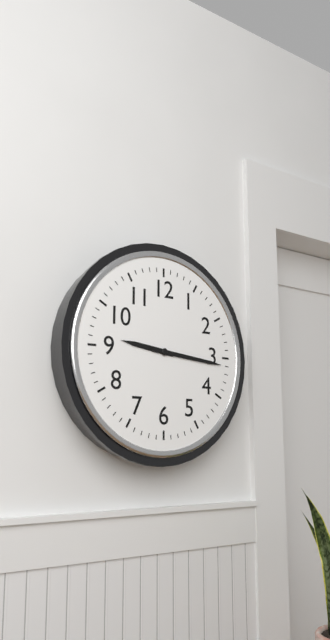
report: 9h16
